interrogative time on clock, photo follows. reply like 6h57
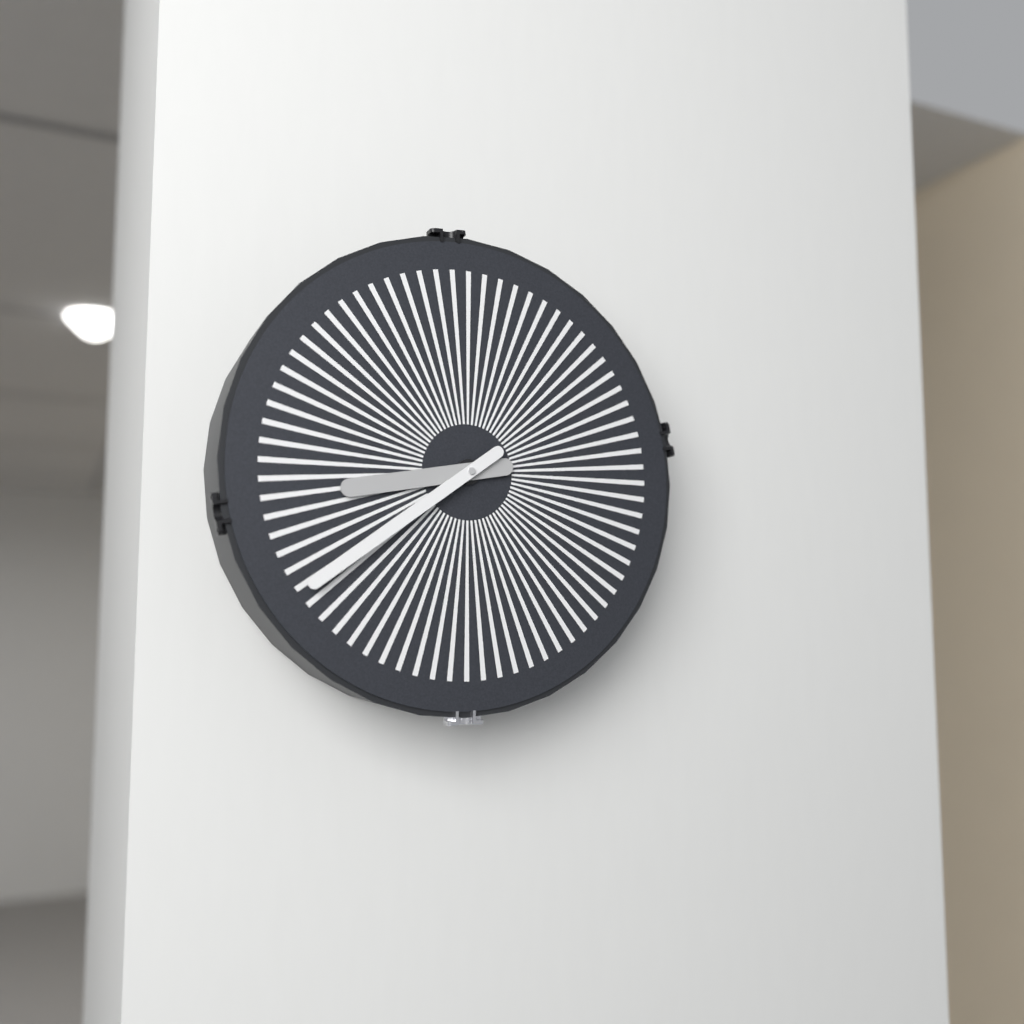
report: 8h39
